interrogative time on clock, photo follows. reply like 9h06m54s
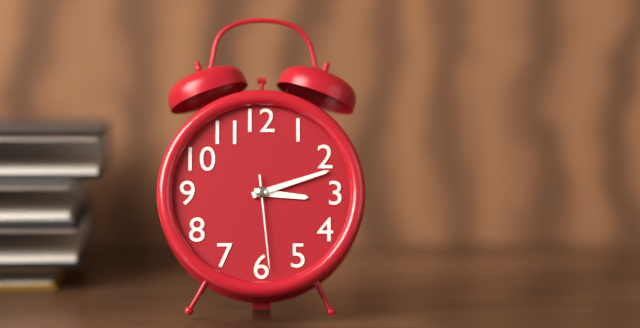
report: 3h12m29s
